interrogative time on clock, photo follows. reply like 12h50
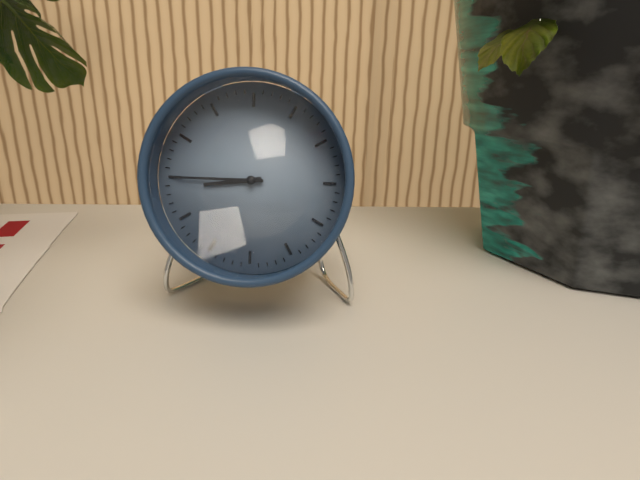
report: 8h45
